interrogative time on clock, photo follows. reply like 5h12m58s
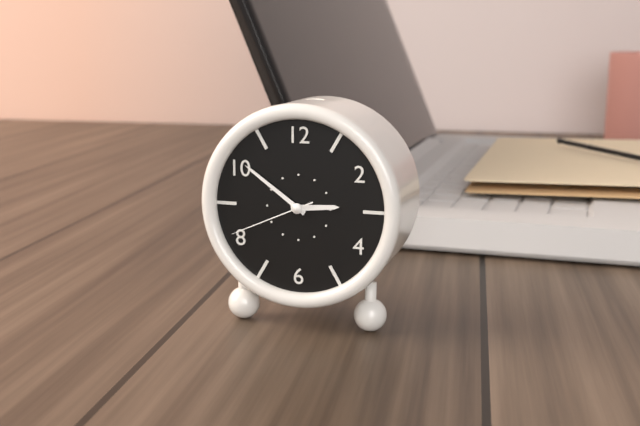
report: 2h51m41s
